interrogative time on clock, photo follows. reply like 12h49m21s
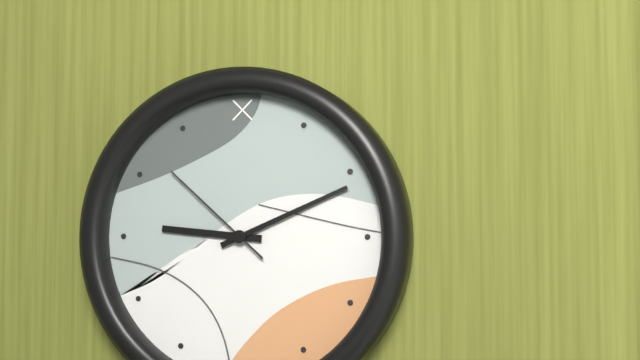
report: 9h11m52s
